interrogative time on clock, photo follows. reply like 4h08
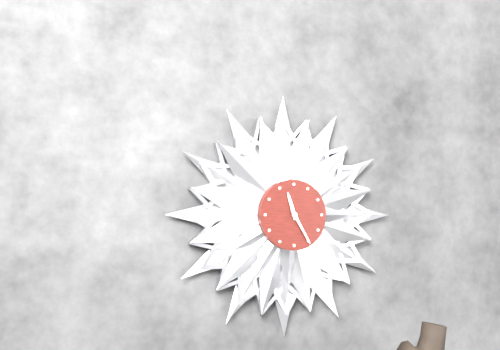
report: 11h25
